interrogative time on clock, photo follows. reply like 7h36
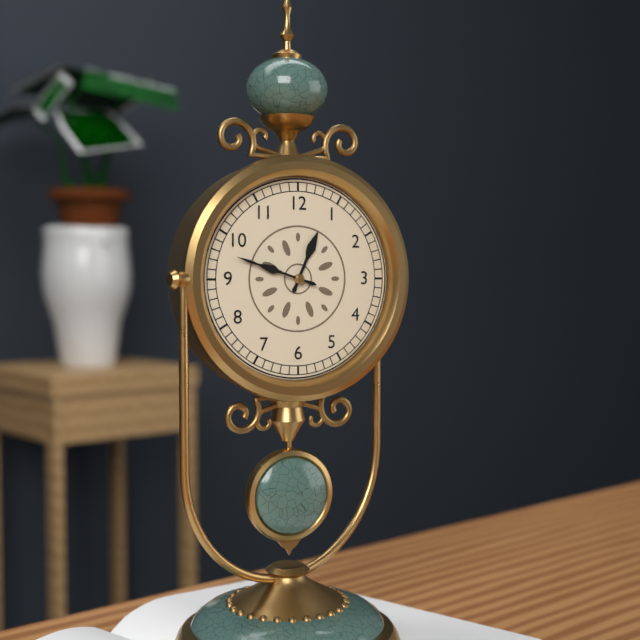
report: 12h48
